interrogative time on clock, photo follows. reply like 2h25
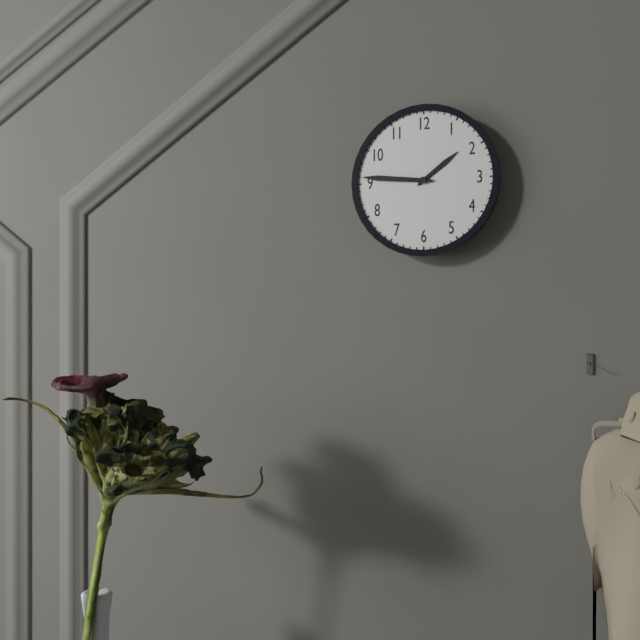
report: 1h46
